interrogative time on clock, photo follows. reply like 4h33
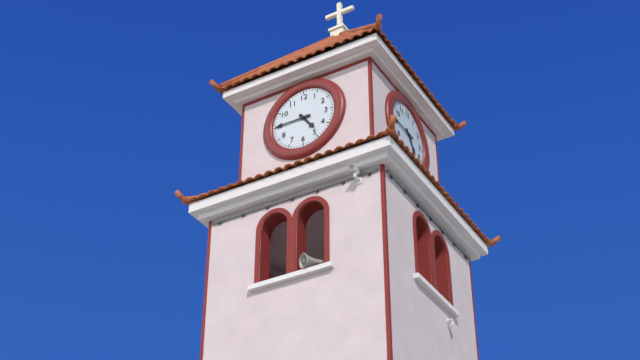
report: 4h45
